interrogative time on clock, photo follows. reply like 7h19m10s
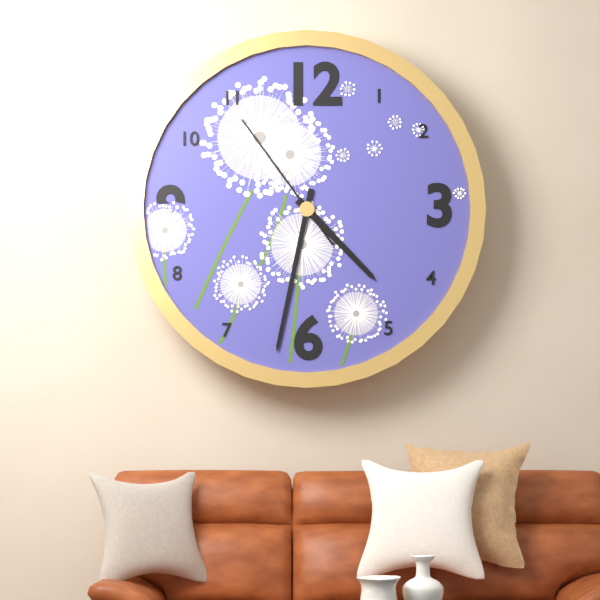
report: 4h32m54s
